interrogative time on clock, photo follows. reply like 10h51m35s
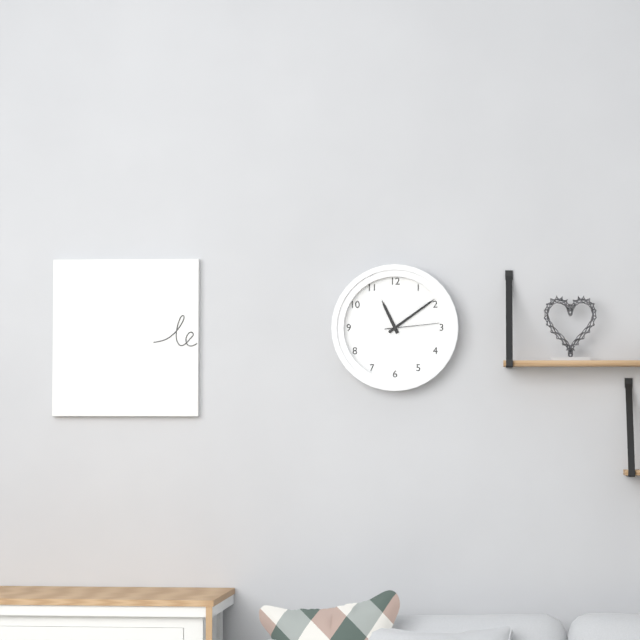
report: 11h09m14s
